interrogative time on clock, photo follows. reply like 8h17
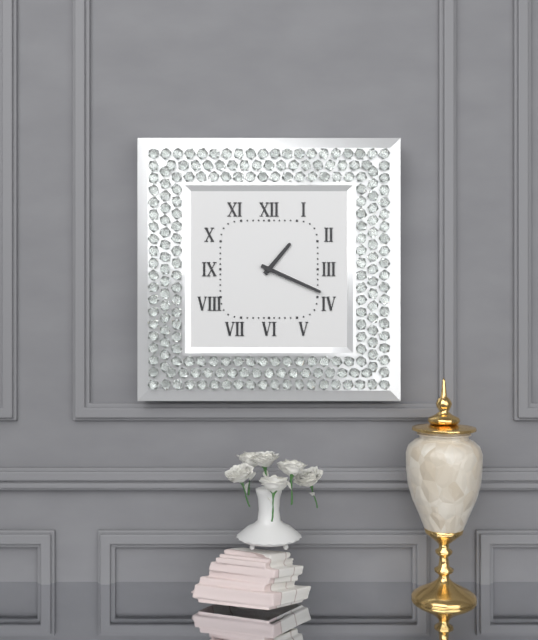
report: 1h19
